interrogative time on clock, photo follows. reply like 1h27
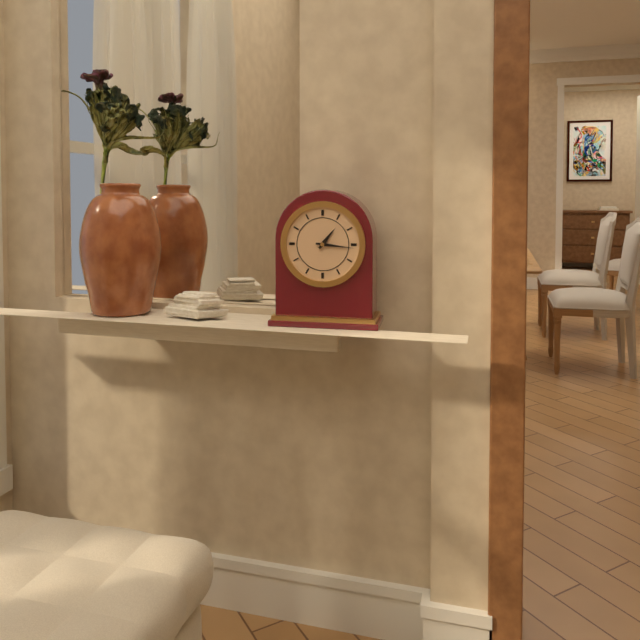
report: 1h16
